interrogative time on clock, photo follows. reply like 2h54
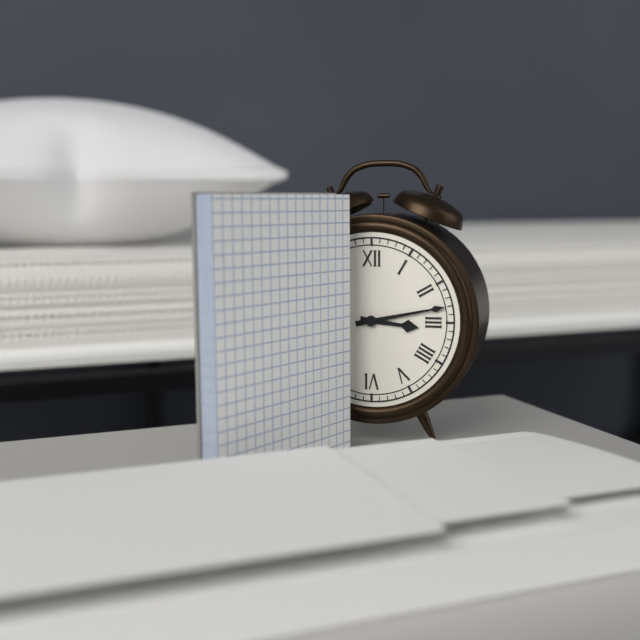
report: 3h13
